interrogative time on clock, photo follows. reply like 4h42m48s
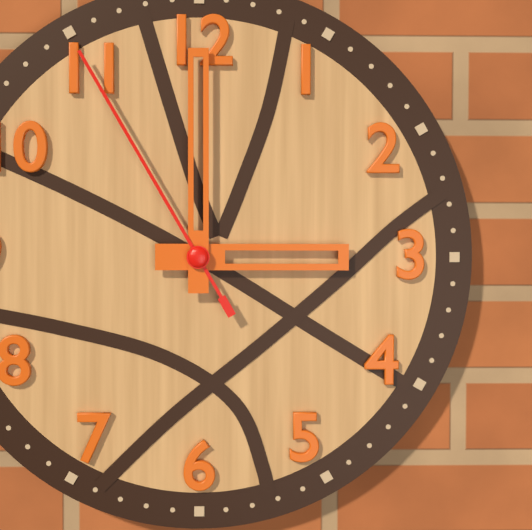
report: 3h00m55s
